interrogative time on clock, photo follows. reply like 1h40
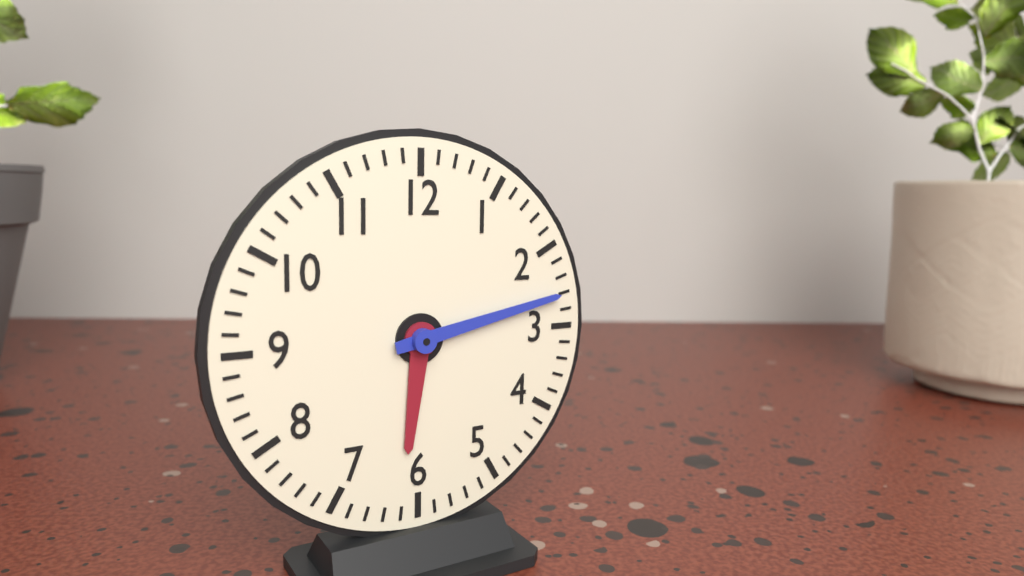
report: 6h13
